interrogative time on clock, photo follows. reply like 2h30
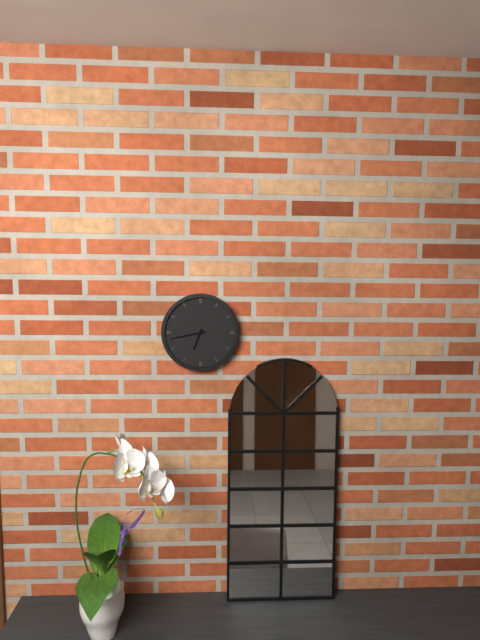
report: 6h43
